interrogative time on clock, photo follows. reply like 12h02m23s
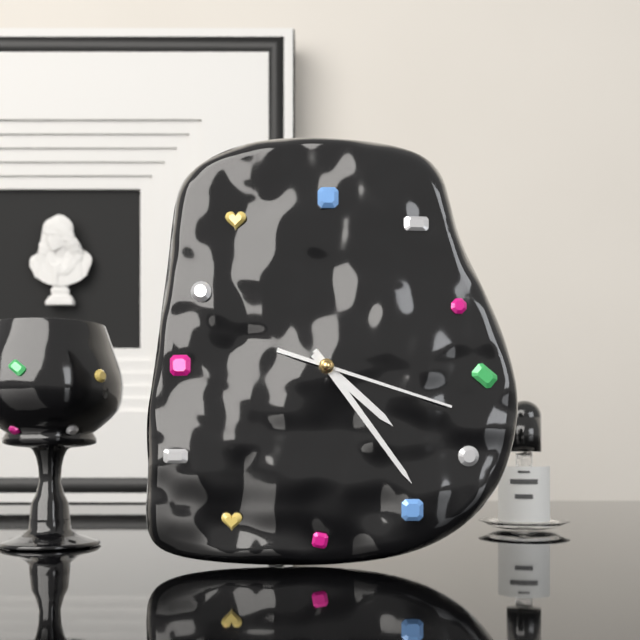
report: 4h24m18s
